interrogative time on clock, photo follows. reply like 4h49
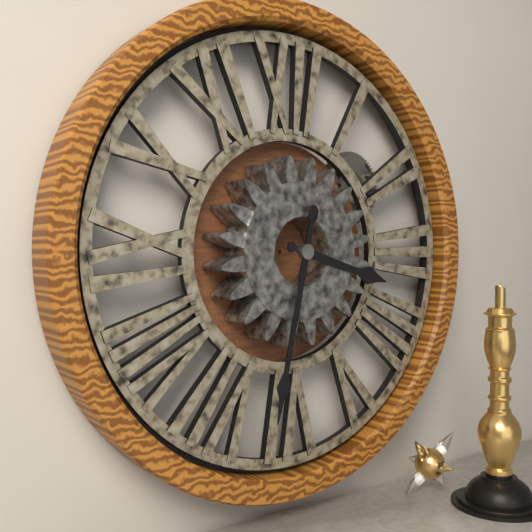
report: 3h32
